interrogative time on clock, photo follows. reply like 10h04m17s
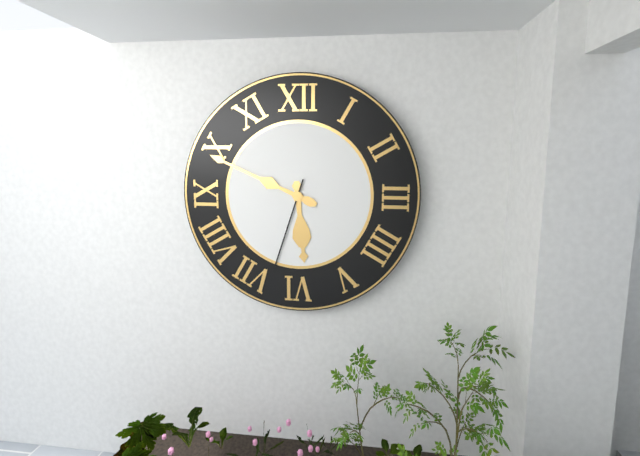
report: 5h49m33s
